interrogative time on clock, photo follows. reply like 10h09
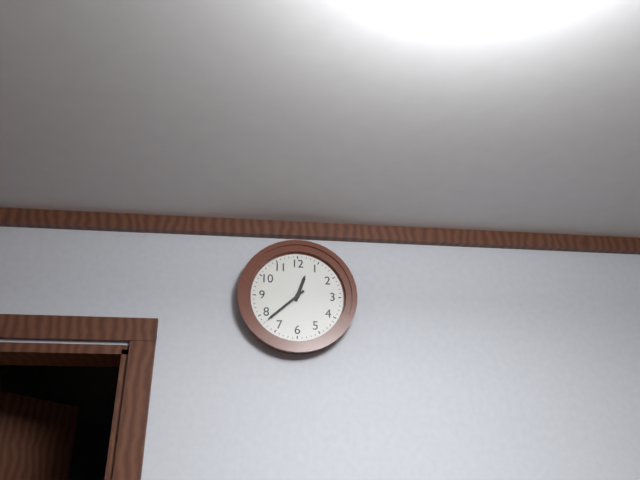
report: 12h38
